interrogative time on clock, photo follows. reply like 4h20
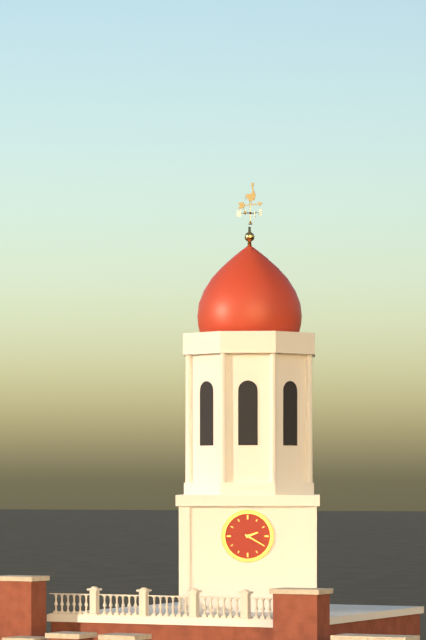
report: 2h20
